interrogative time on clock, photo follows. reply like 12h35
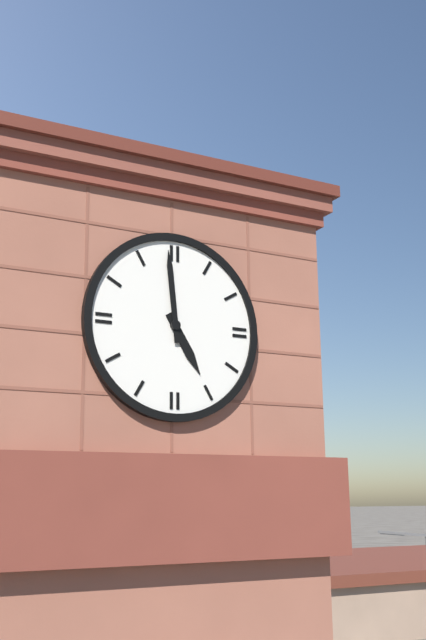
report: 4h59
